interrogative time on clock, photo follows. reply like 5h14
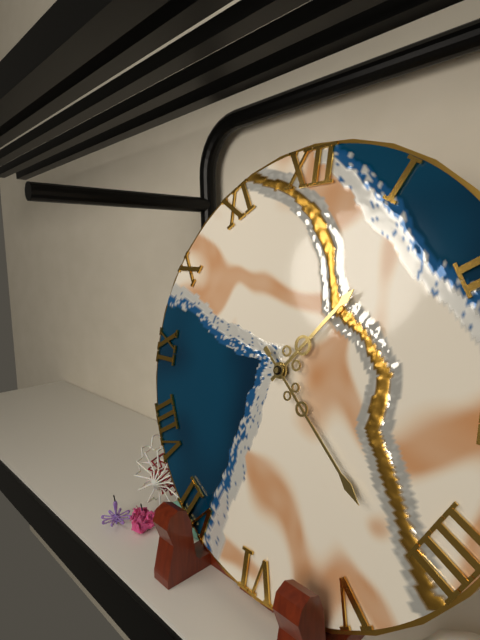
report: 1h22
